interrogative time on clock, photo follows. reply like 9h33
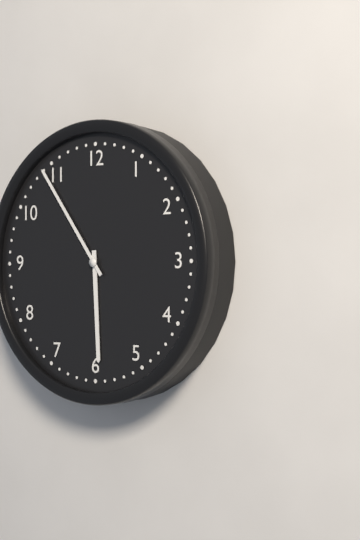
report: 5h54
